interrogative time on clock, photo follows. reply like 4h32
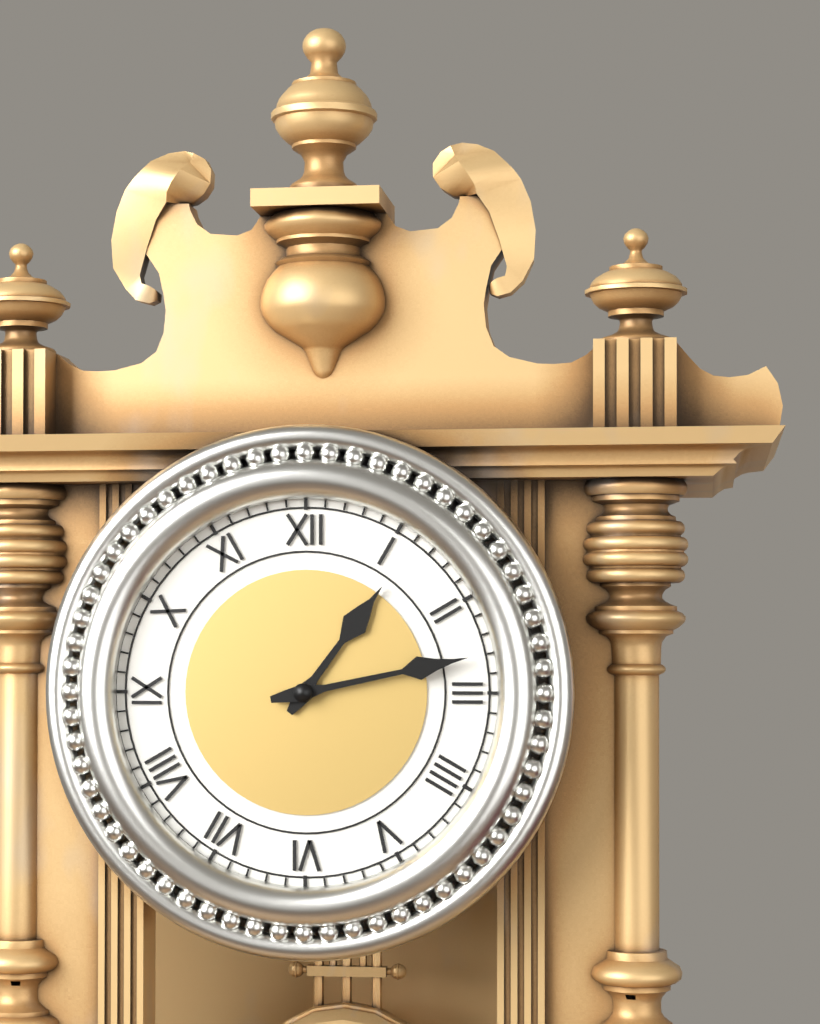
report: 1h13
